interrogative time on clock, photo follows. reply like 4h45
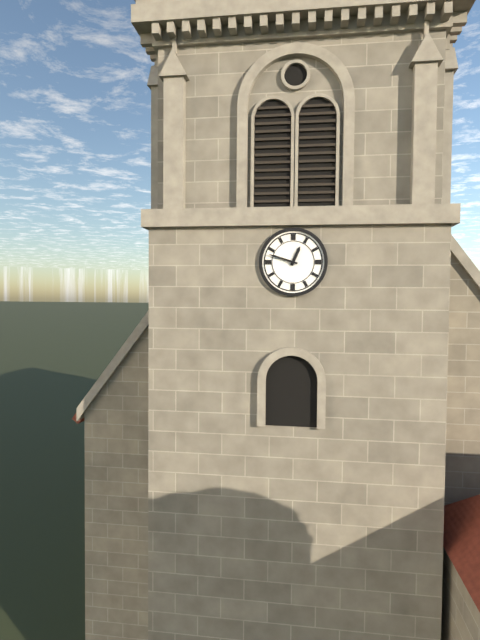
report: 12h48
